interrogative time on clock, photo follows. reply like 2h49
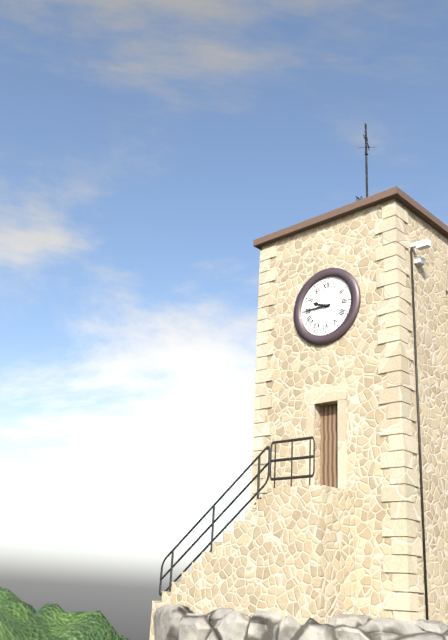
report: 9h45
